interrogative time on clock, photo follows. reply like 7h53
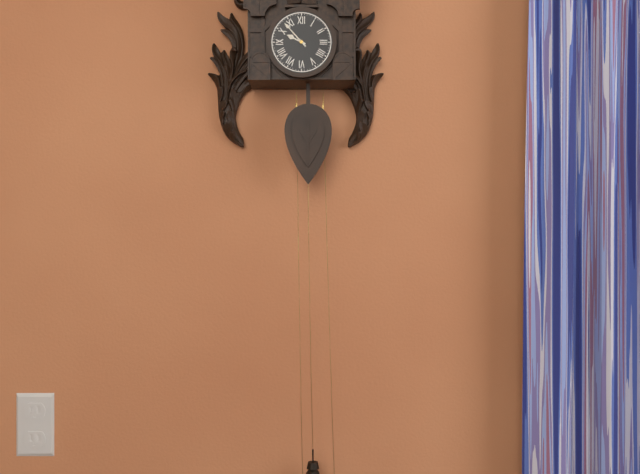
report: 9h53
